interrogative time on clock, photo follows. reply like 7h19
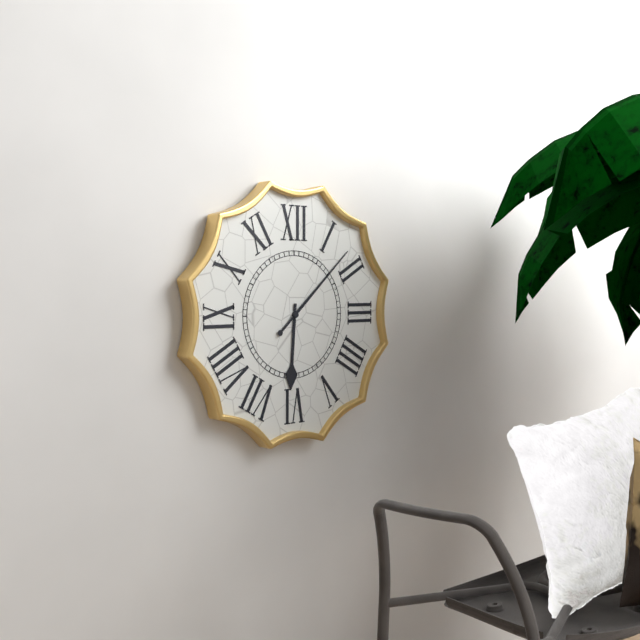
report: 6h08
